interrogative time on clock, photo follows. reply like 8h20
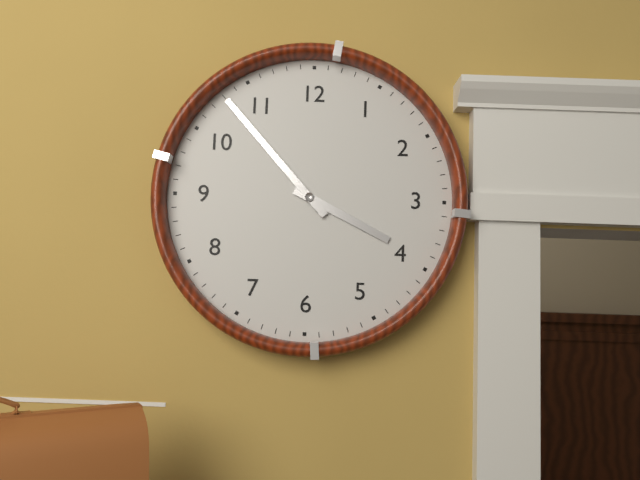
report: 3h53
